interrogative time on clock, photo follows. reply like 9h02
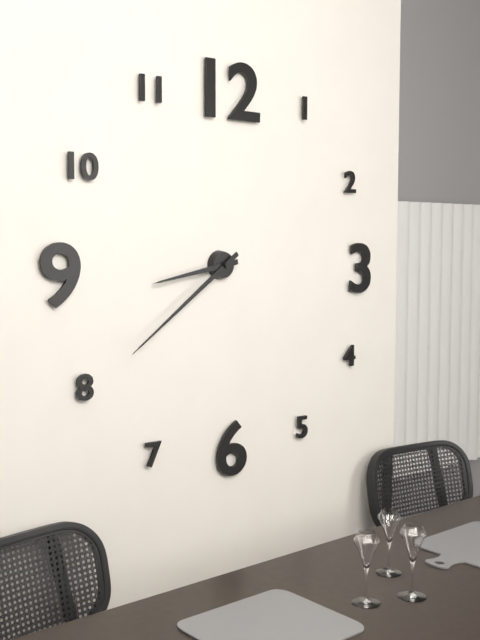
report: 8h39
